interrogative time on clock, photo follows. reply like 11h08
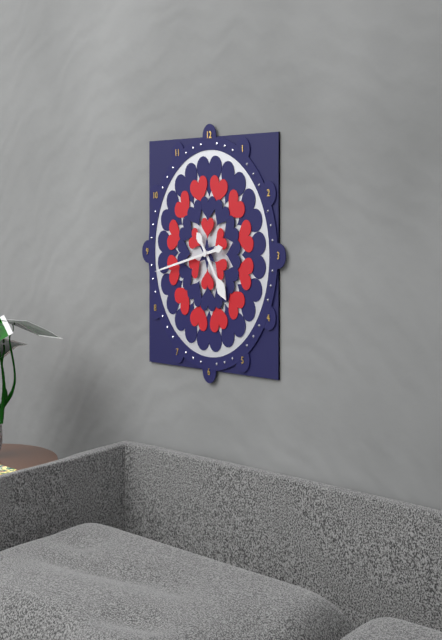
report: 4h43
